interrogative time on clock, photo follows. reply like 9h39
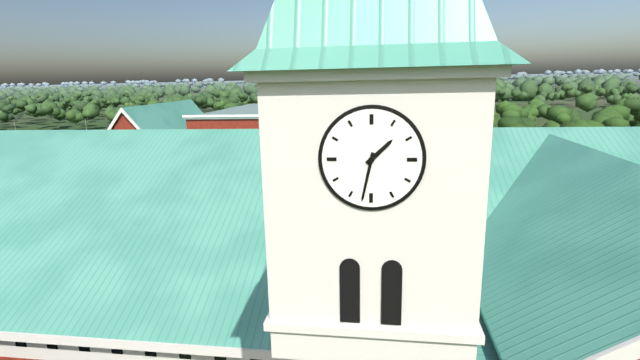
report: 1h32
